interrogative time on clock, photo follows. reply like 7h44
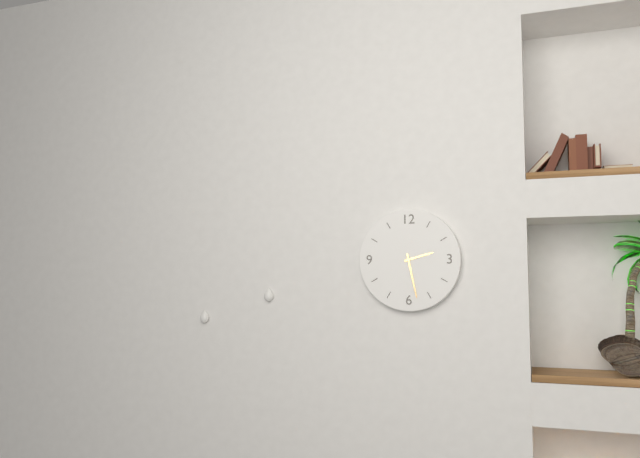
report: 2h28
